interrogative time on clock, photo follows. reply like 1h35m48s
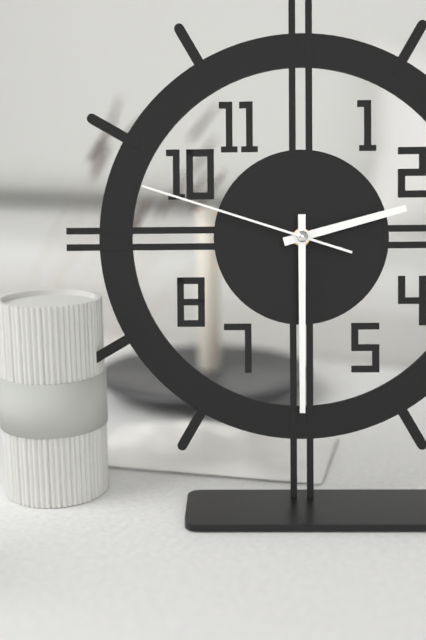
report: 2h30m48s
